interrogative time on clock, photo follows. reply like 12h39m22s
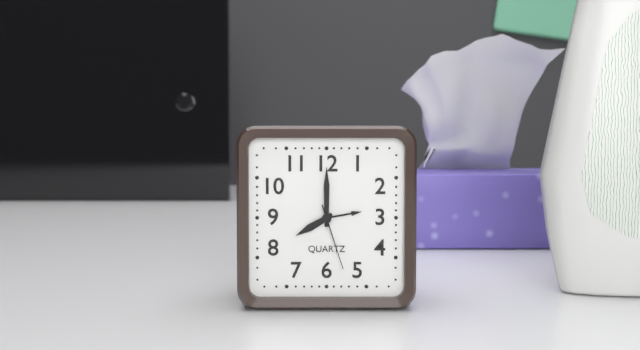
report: 8h00m27s
